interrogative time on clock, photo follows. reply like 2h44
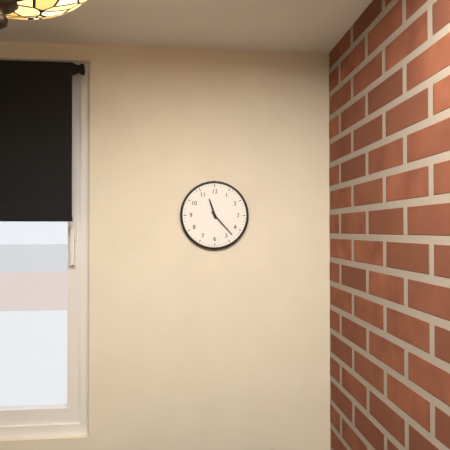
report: 11h23
